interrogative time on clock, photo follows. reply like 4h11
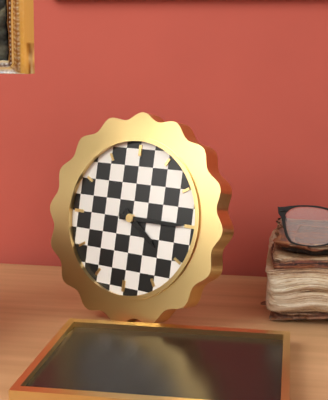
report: 4h15
